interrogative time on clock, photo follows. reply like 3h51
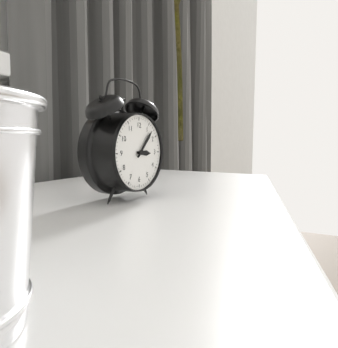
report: 3h07
